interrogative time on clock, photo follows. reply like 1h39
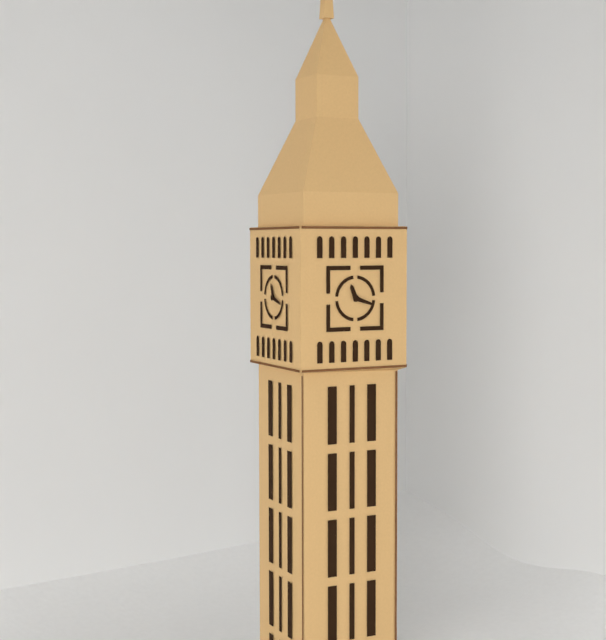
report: 11h18
